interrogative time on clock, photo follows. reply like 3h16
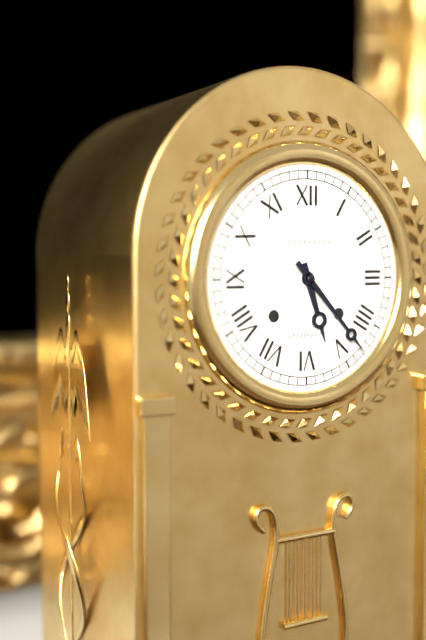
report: 5h23
